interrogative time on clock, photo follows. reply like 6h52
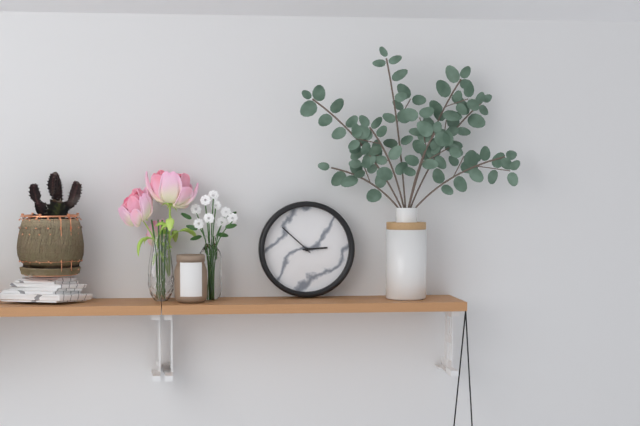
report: 2h52
